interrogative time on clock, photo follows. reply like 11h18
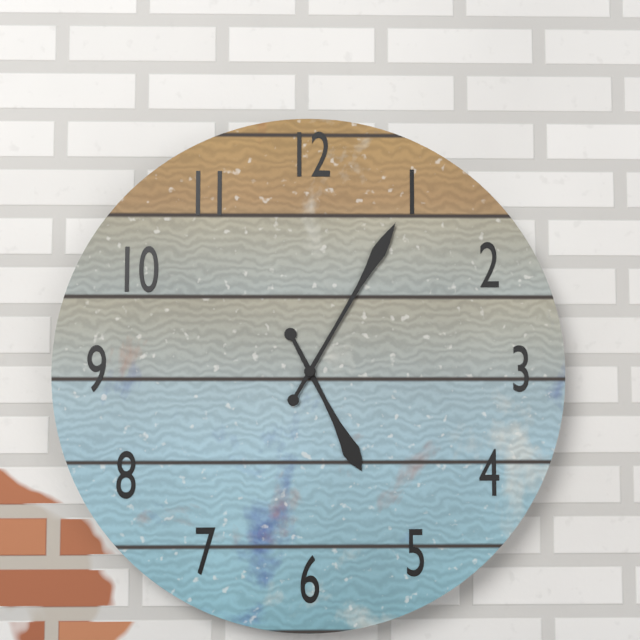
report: 5h05
